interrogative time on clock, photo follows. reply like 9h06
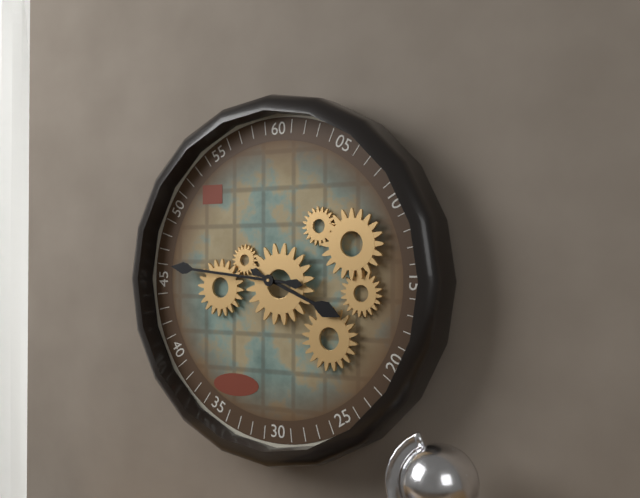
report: 3h46
